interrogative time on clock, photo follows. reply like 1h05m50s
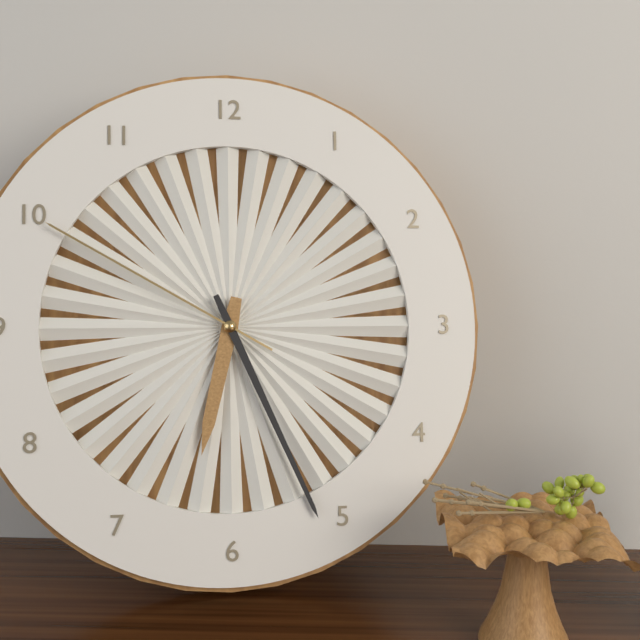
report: 6h26m50s
